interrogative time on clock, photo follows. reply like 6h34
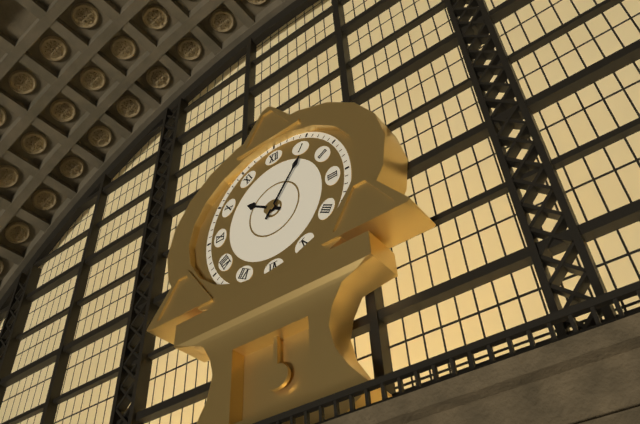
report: 10h06
